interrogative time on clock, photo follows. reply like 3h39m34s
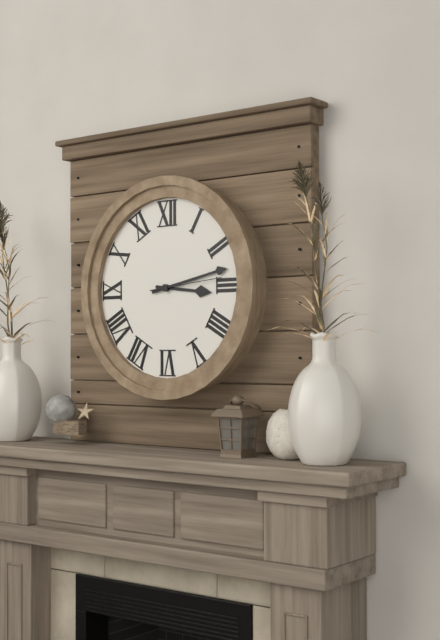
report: 3h13m14s
